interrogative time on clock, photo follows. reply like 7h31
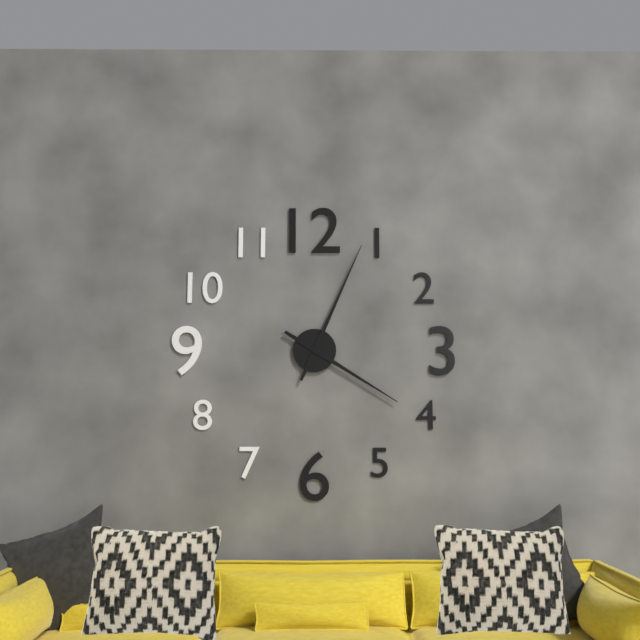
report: 4h04
